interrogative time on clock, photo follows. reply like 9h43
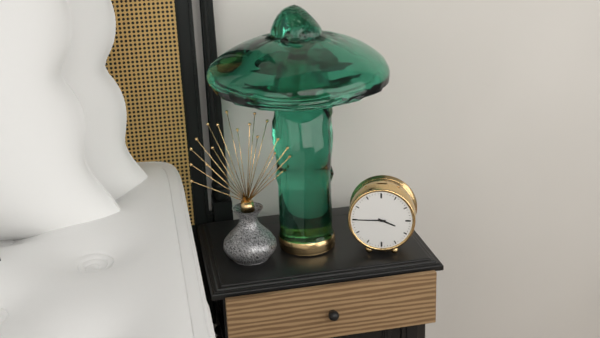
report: 3h45
